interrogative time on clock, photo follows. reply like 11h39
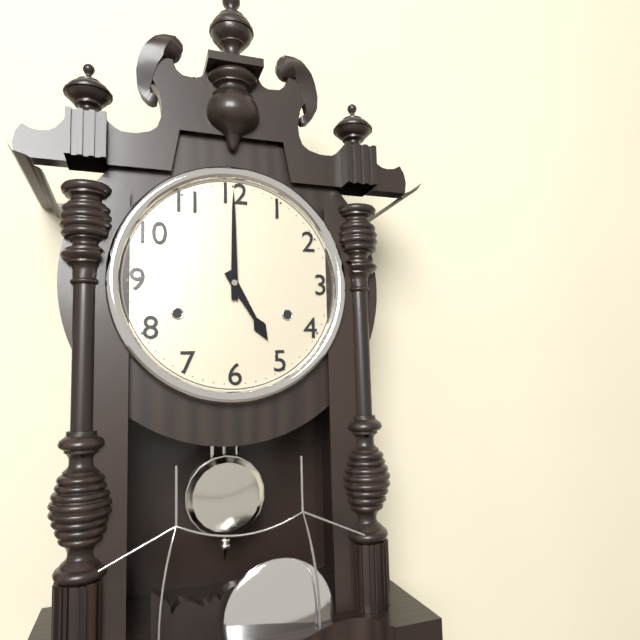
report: 5h00
